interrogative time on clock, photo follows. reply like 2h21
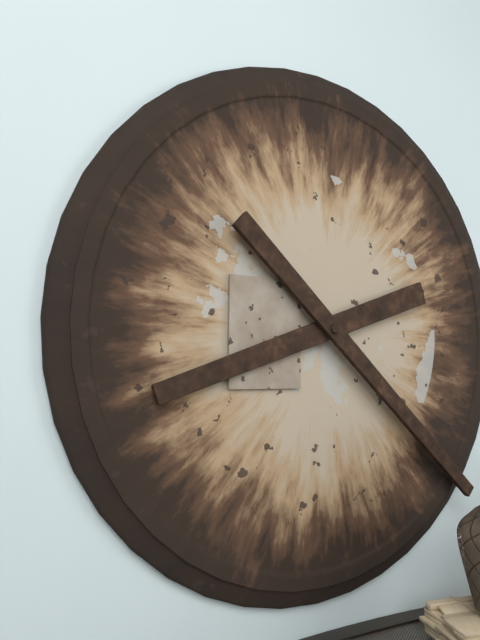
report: 8h22
